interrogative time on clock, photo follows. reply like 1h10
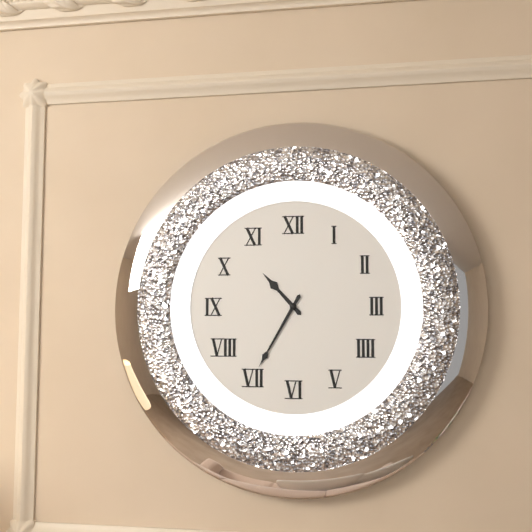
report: 10h35
